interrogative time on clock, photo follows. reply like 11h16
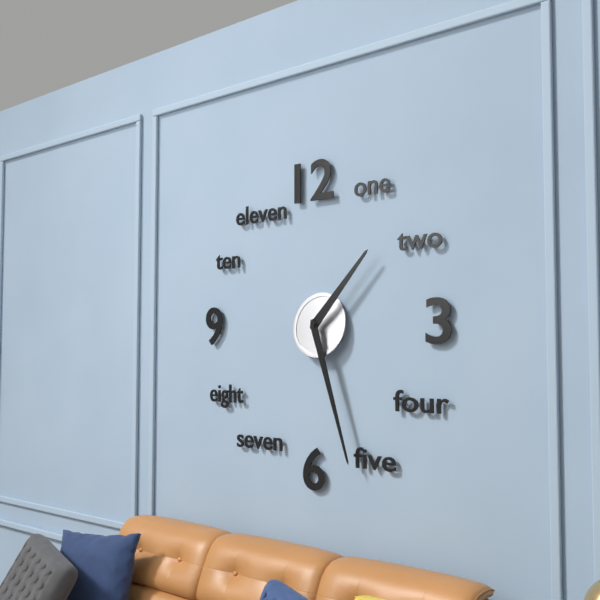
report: 1h27
